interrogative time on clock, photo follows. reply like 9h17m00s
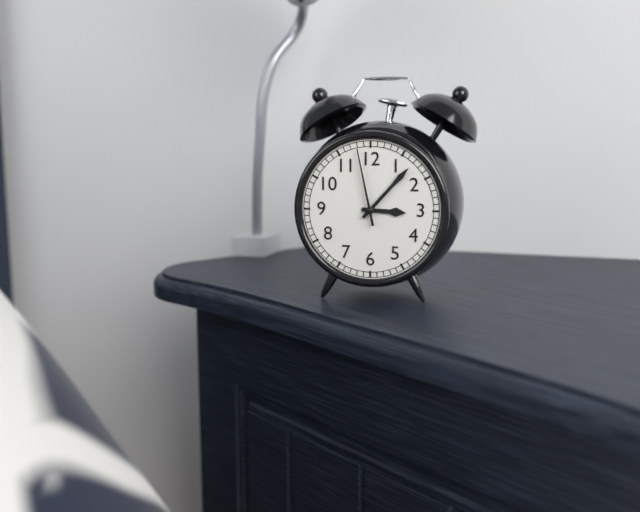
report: 3h07m58s
